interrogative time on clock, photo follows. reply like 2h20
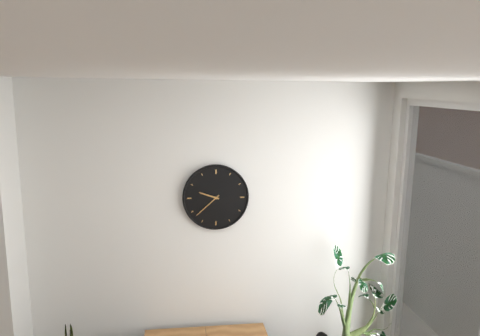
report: 9h38
